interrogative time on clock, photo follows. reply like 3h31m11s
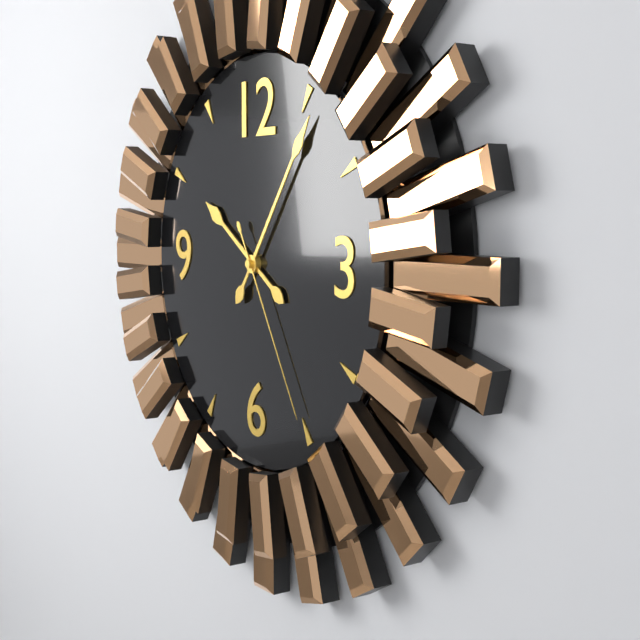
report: 10h06m25s
